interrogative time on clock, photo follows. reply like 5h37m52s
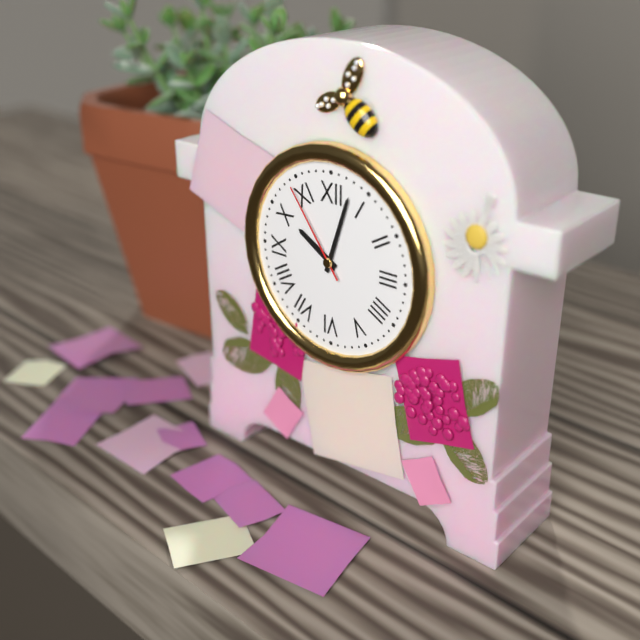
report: 10h03m54s
